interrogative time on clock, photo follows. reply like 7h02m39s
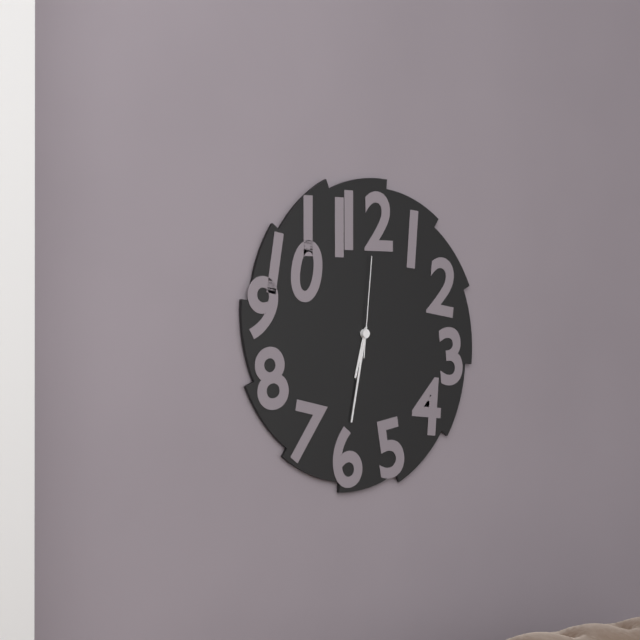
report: 6h32m01s
